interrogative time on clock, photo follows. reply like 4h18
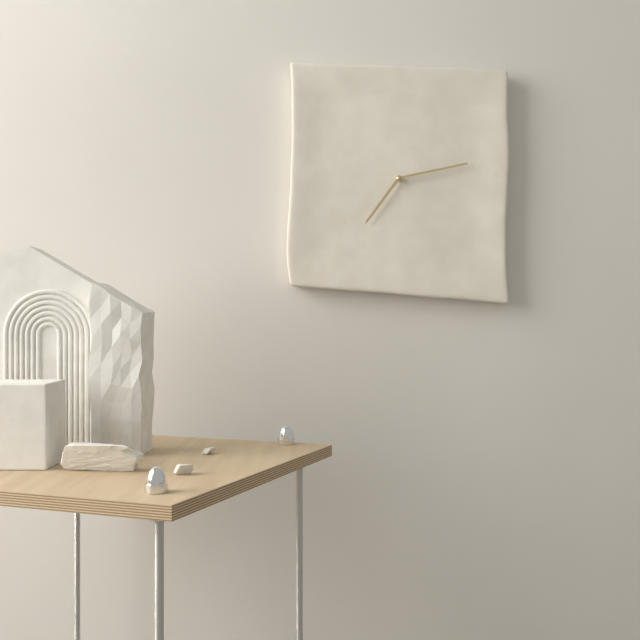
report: 7h13
